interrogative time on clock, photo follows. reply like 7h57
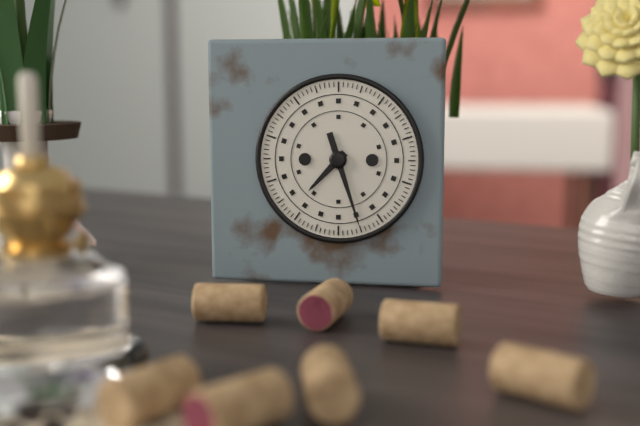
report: 7h27
